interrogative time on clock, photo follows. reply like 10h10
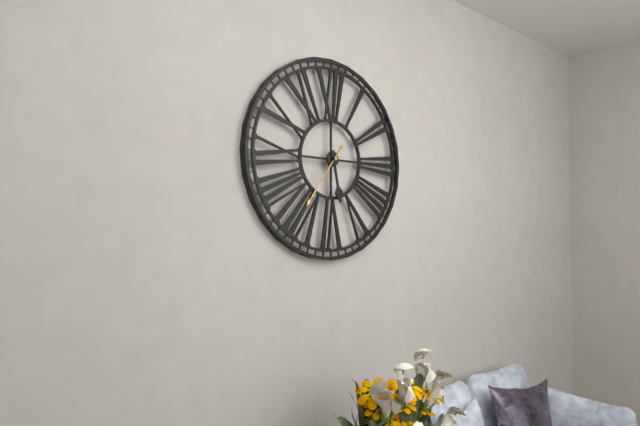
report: 5h36
